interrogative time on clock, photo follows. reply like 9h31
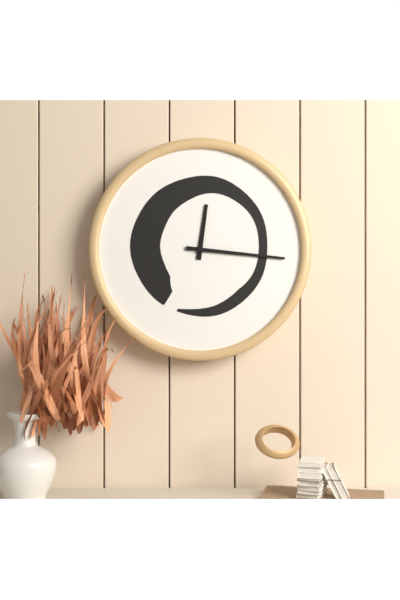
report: 12h16
